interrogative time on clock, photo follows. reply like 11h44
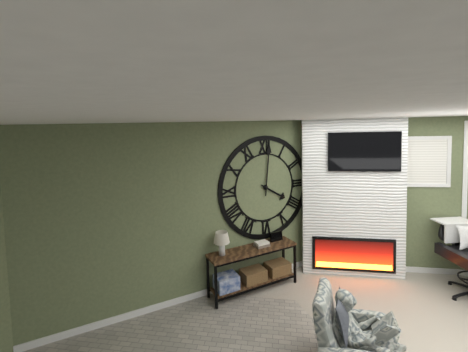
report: 4h01
